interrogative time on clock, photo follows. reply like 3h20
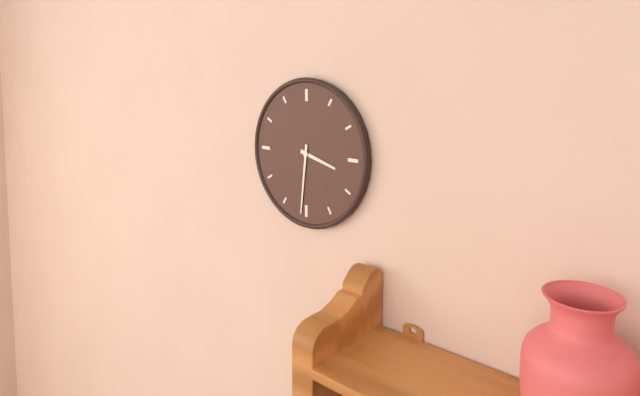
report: 3h31
